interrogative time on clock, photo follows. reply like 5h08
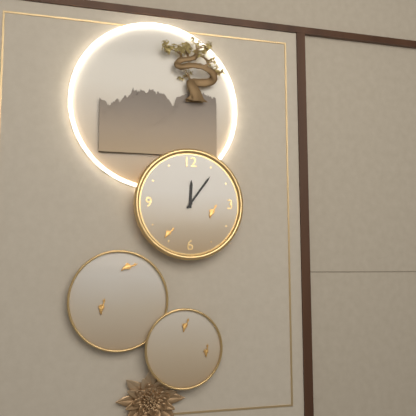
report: 12h06
